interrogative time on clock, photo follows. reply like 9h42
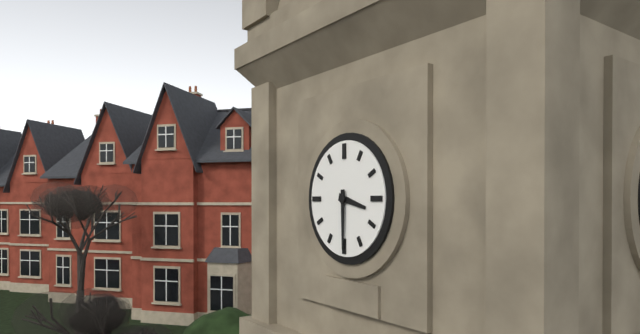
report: 3h30
